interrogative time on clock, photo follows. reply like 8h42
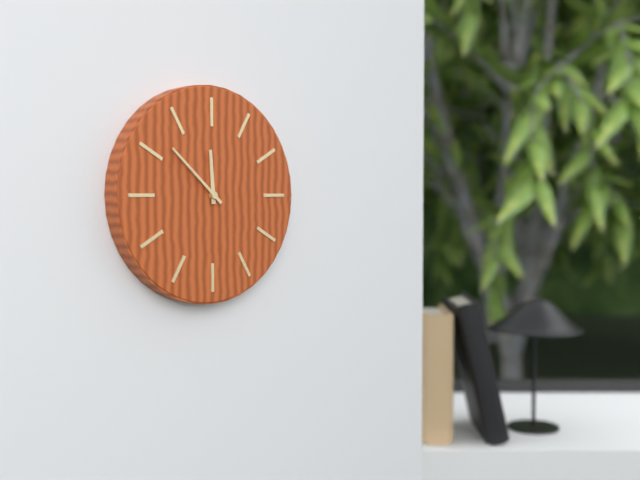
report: 11h52
